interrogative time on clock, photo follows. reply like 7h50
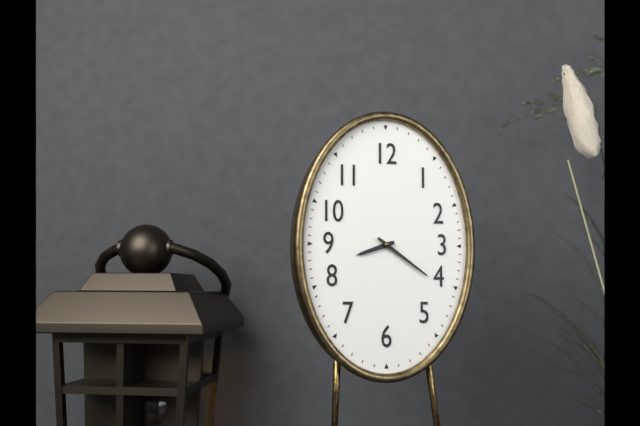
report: 8h21
